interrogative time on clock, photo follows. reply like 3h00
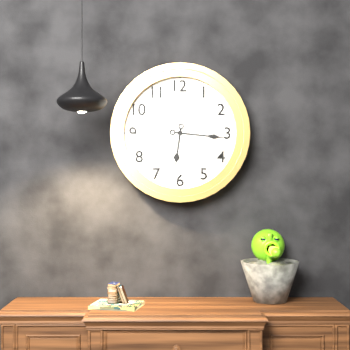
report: 6h16
